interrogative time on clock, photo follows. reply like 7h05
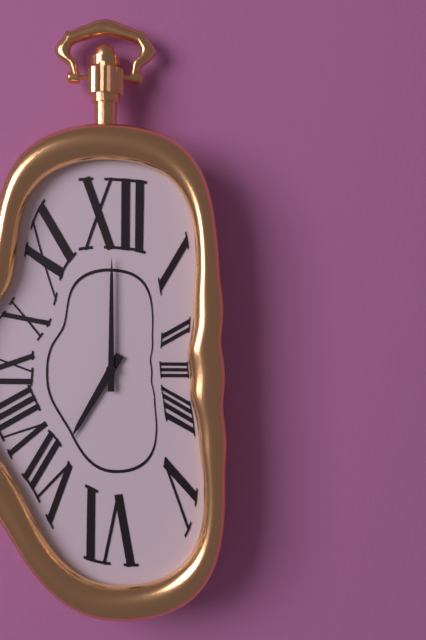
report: 7h00
